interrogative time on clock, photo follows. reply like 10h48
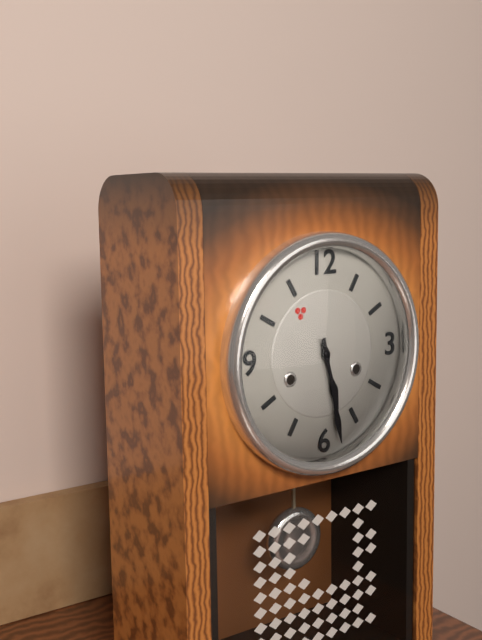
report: 5h28
